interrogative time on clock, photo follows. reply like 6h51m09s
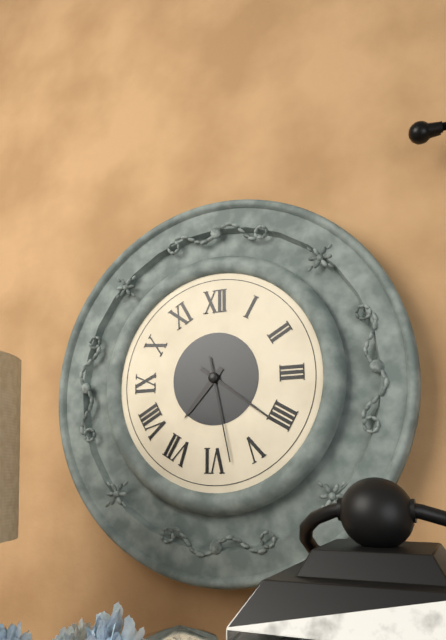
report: 7h21m28s
